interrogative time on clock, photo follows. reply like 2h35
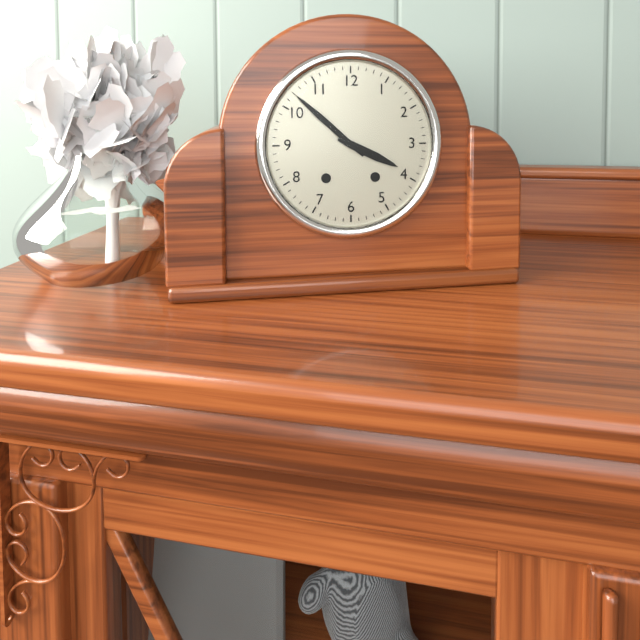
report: 3h52
